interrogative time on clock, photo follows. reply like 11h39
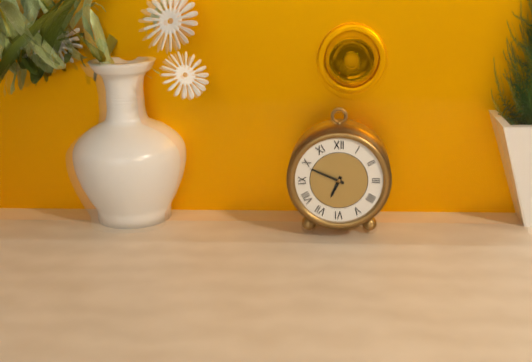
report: 6h49
